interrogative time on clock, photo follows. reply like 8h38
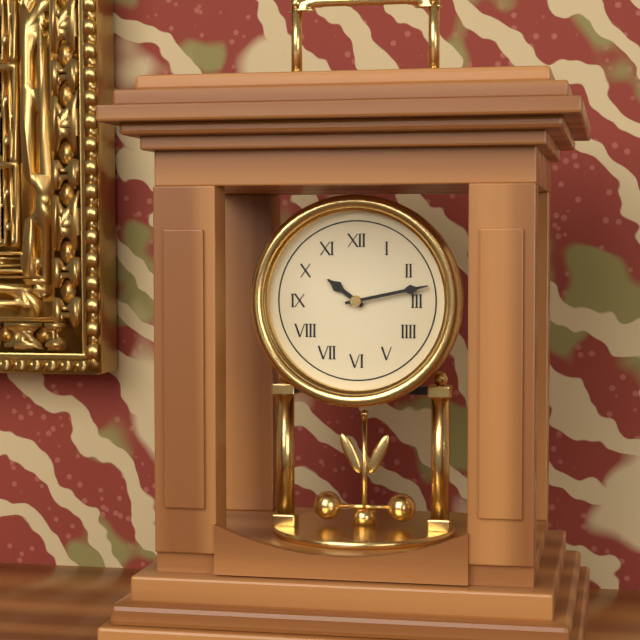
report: 10h13
